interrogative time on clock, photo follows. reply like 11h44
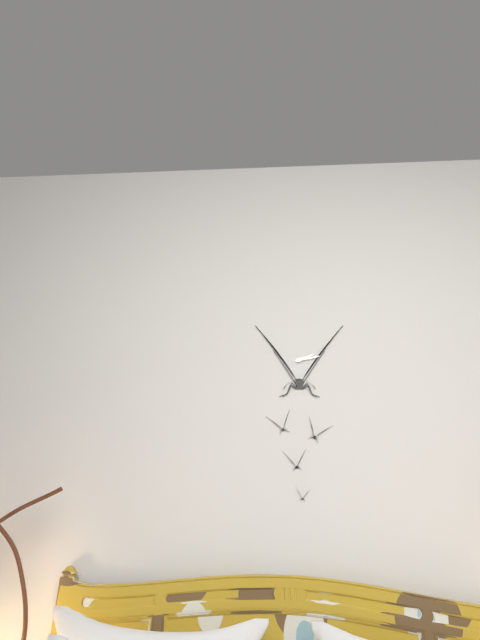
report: 2h13
